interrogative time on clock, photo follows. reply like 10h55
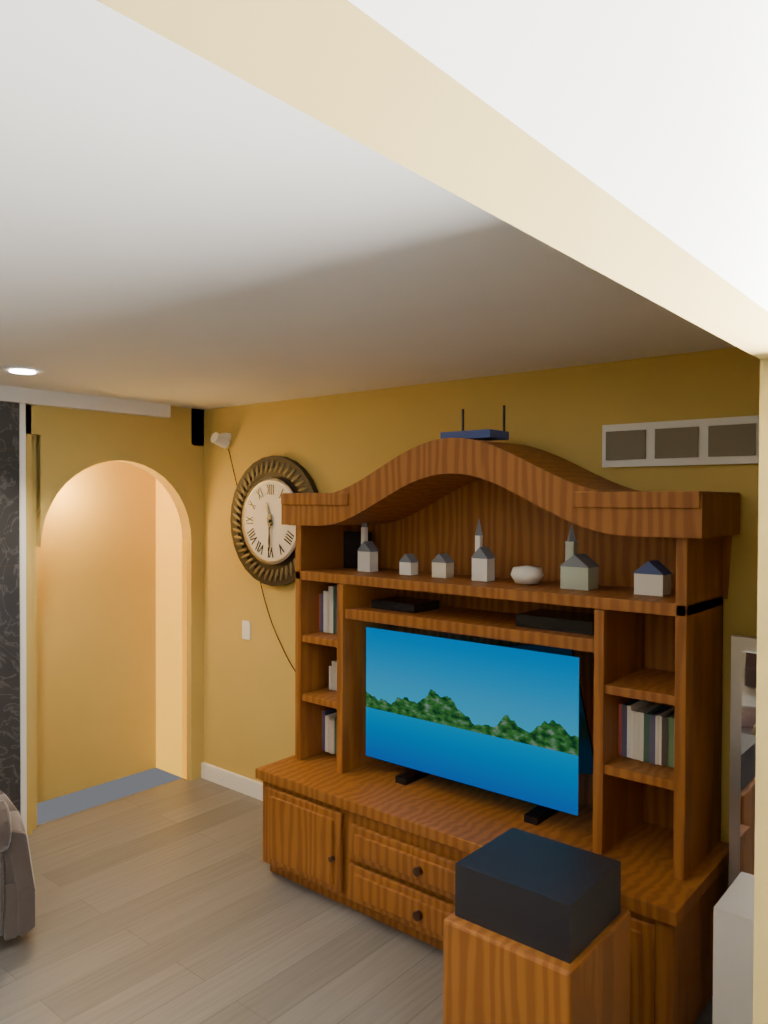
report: 11h30
